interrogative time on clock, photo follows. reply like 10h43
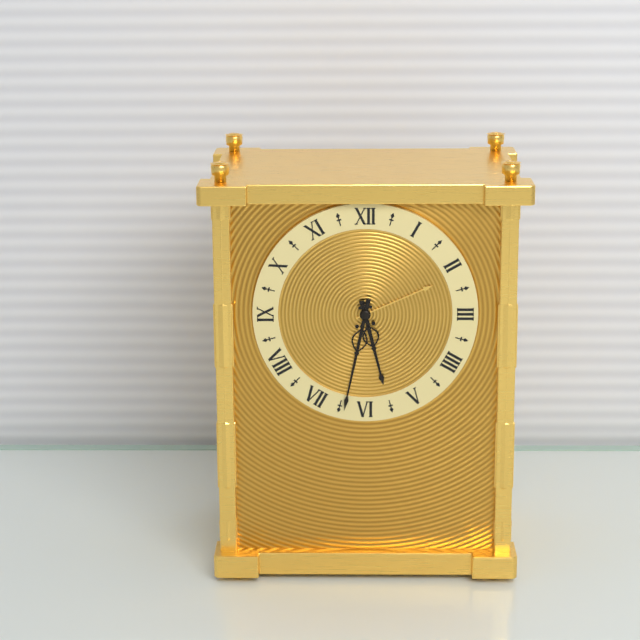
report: 5h32
